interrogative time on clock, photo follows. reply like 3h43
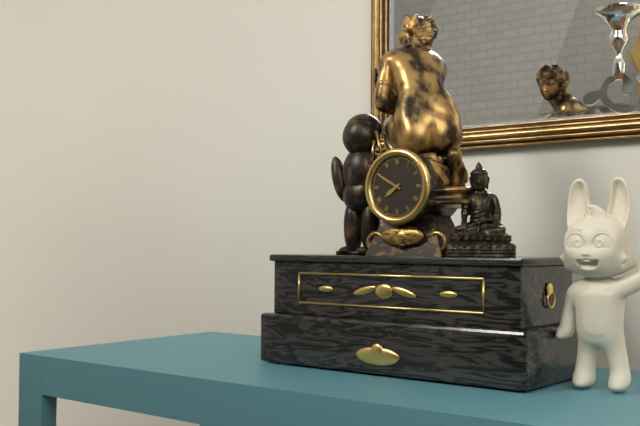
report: 7h50
